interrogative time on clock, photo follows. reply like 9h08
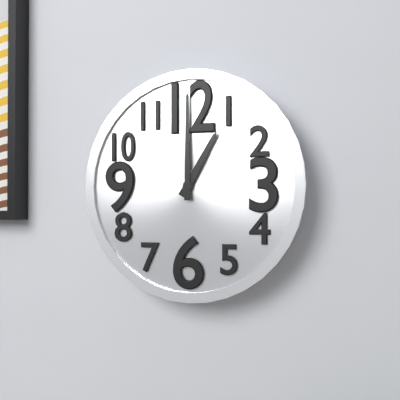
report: 1h00
